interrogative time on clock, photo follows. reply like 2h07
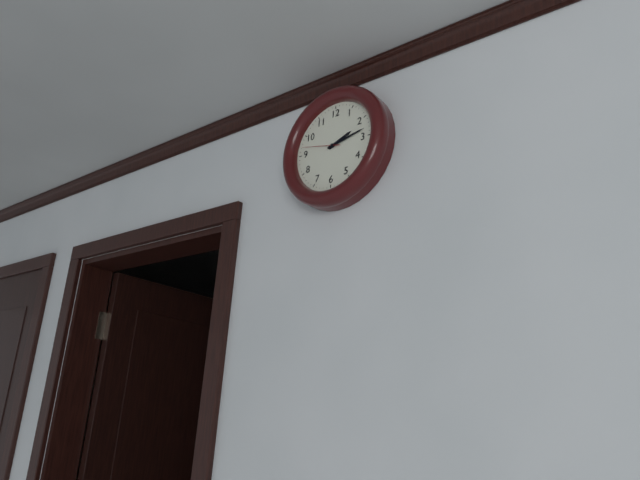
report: 2h13
